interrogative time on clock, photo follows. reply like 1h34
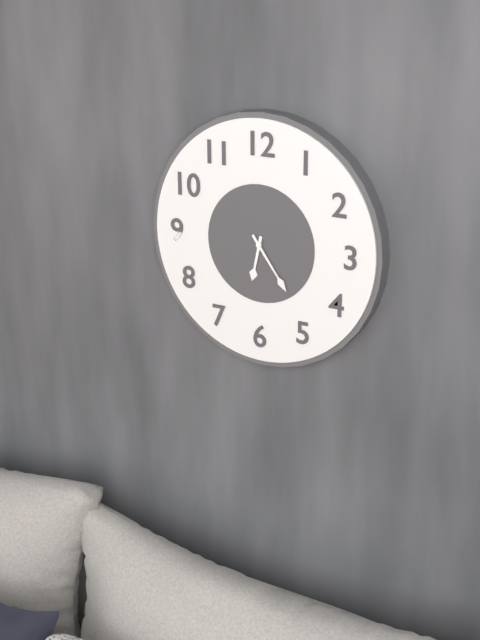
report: 6h24
